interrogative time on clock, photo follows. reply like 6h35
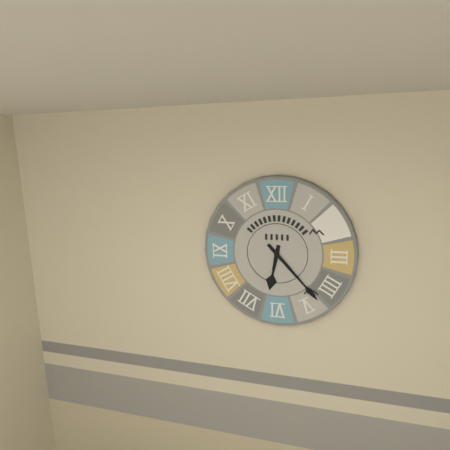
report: 6h23
